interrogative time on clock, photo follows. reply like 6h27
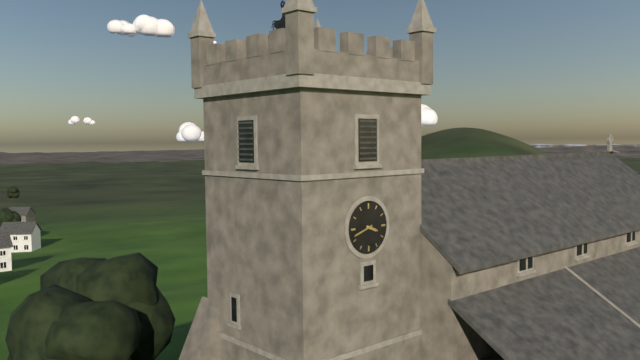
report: 3h42
